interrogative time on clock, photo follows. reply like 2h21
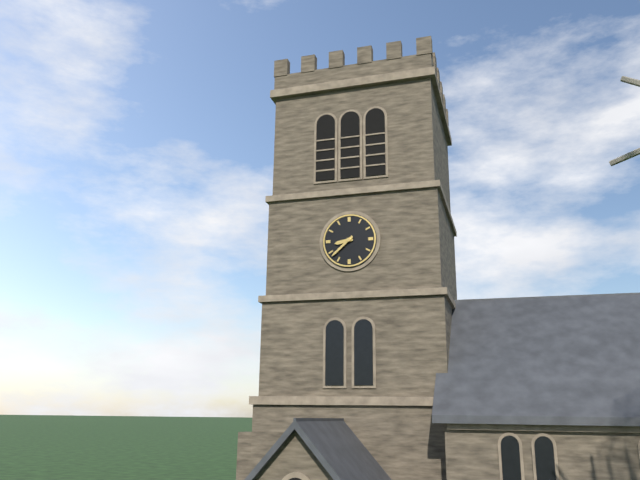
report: 8h38
